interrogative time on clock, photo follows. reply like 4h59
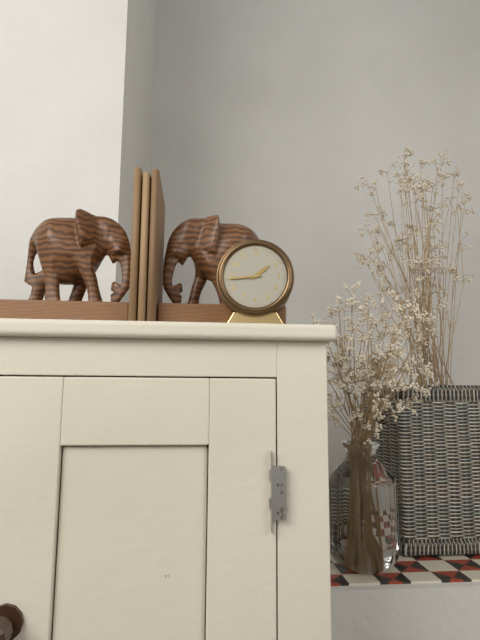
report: 1h44
